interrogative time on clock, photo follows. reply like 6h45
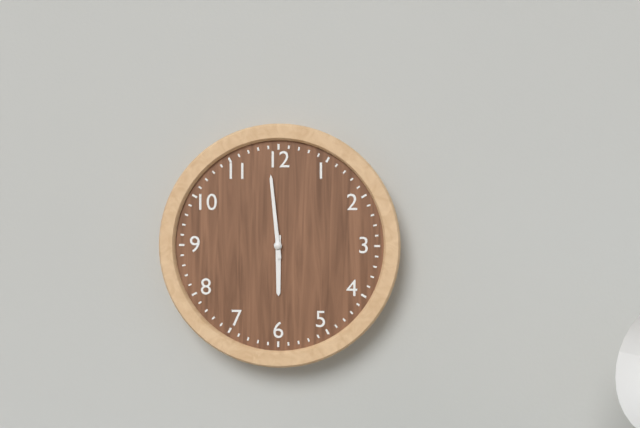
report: 5h59
